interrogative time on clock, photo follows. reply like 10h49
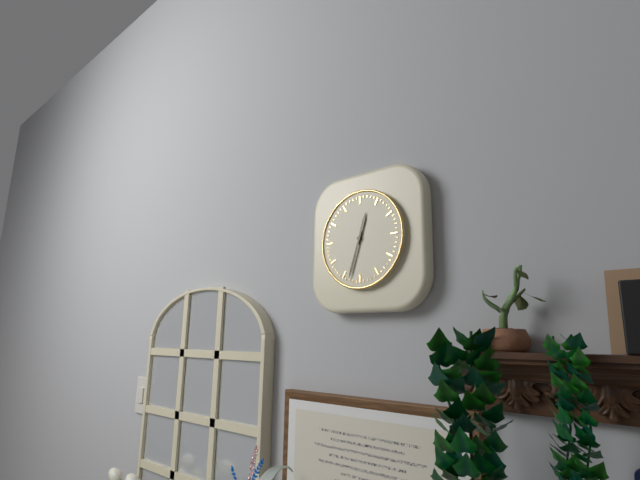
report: 12h33
